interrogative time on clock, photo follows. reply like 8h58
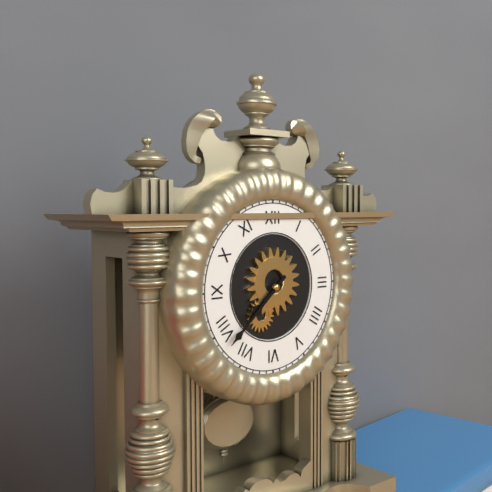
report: 7h38
